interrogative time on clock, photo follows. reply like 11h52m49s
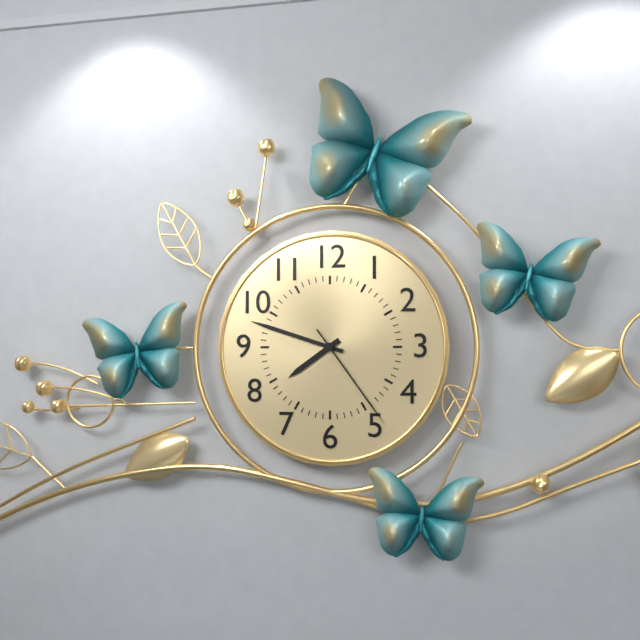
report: 7h48m24s
